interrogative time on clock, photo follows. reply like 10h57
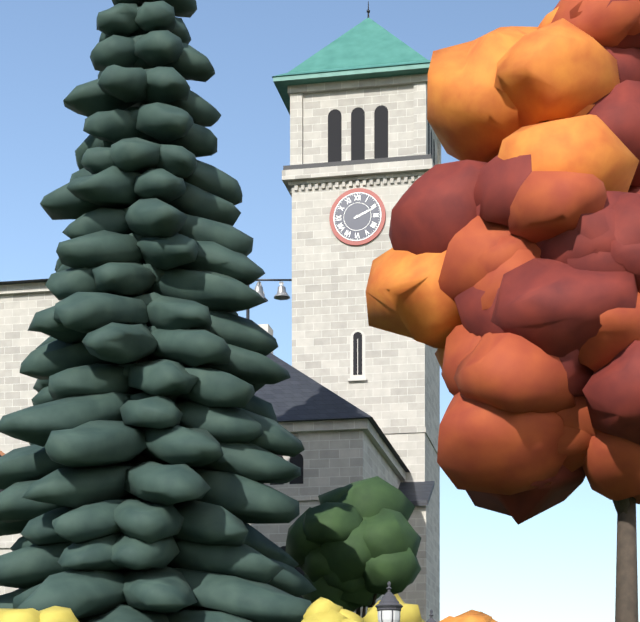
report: 2h11
